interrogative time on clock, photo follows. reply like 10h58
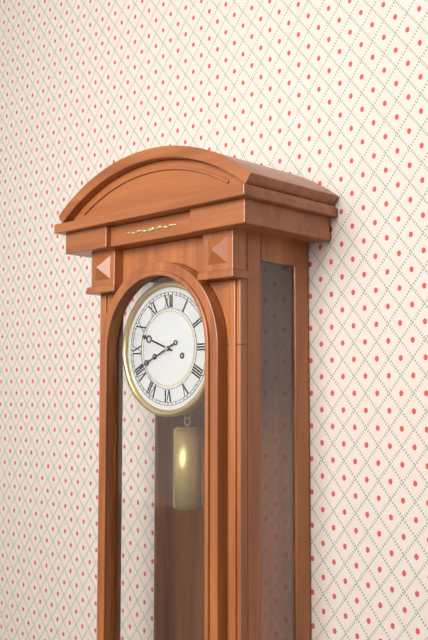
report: 9h41
